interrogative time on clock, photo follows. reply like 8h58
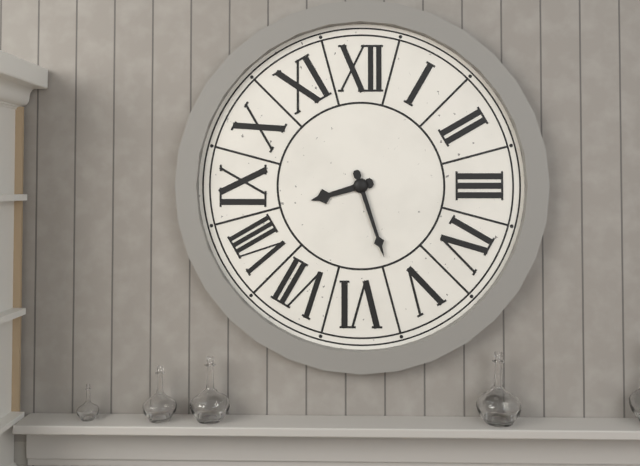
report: 8h27
